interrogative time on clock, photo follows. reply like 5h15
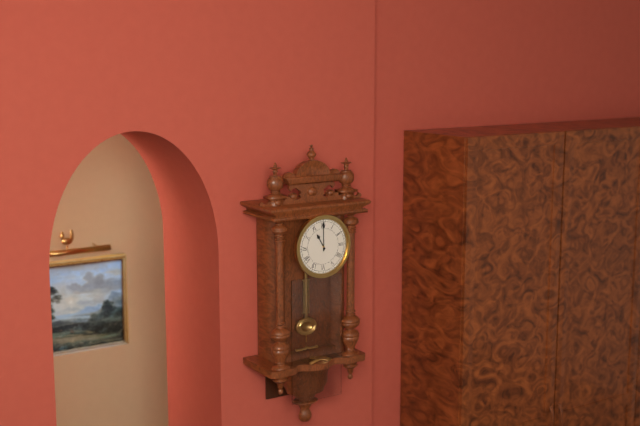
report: 11h00
